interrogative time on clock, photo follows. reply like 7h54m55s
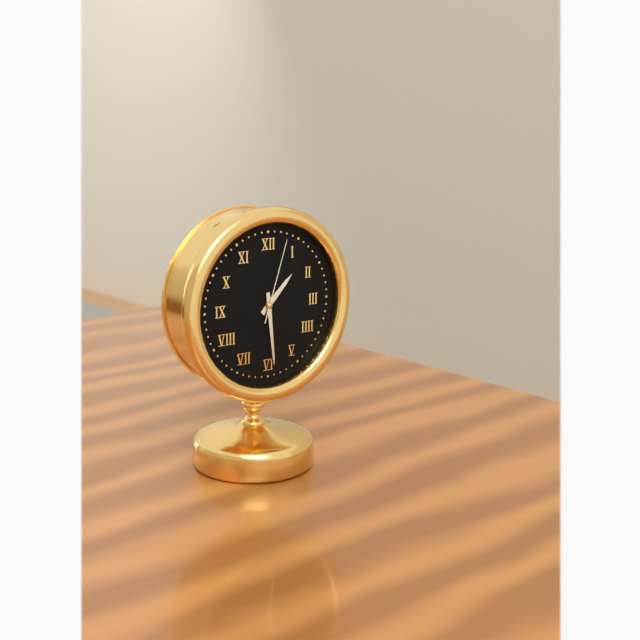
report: 1h29m03s
